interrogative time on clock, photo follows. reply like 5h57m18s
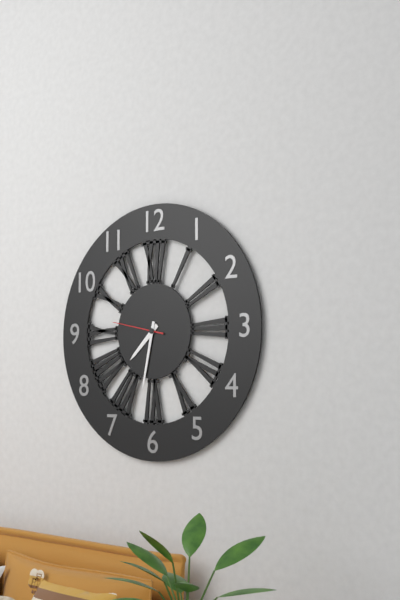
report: 7h32m47s
